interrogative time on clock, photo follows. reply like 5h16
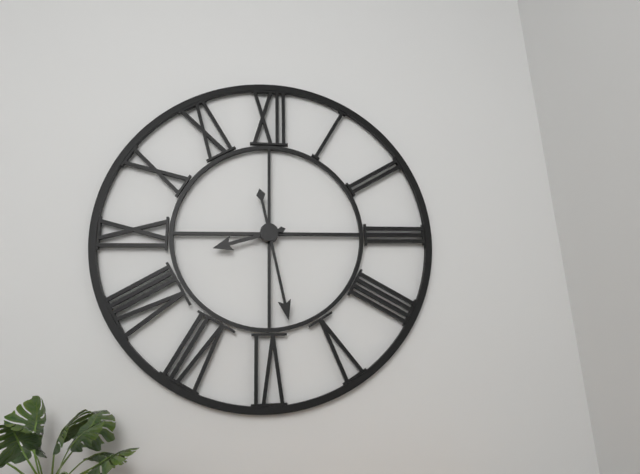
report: 8h28
